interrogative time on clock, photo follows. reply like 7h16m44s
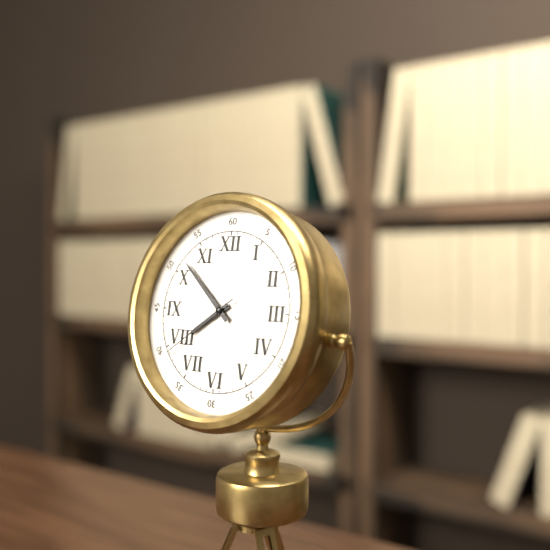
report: 7h52m39s
